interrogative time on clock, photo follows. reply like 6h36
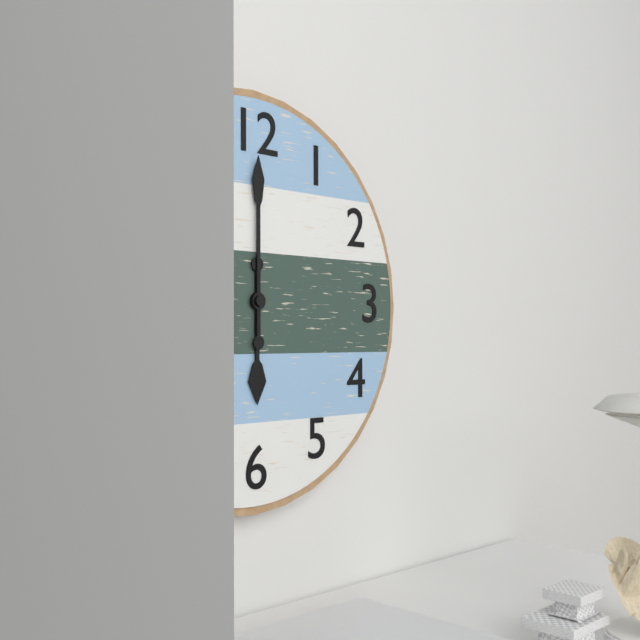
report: 6h00
